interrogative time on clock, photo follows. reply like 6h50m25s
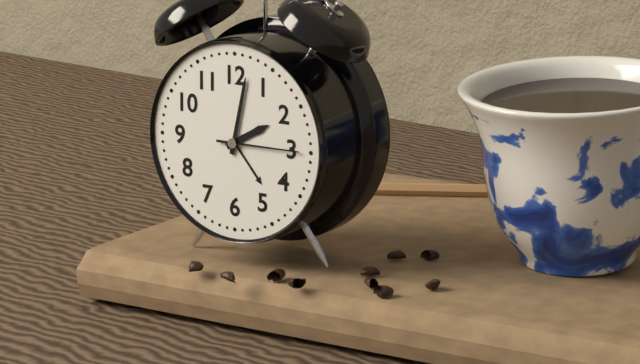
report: 2h02m15s
